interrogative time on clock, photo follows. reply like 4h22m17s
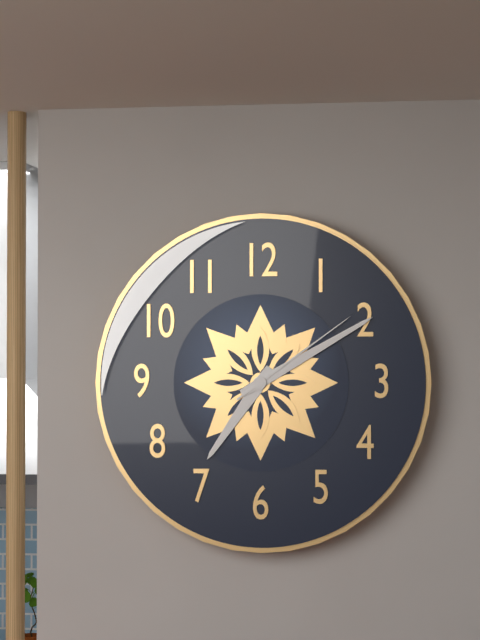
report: 7h10m09s
